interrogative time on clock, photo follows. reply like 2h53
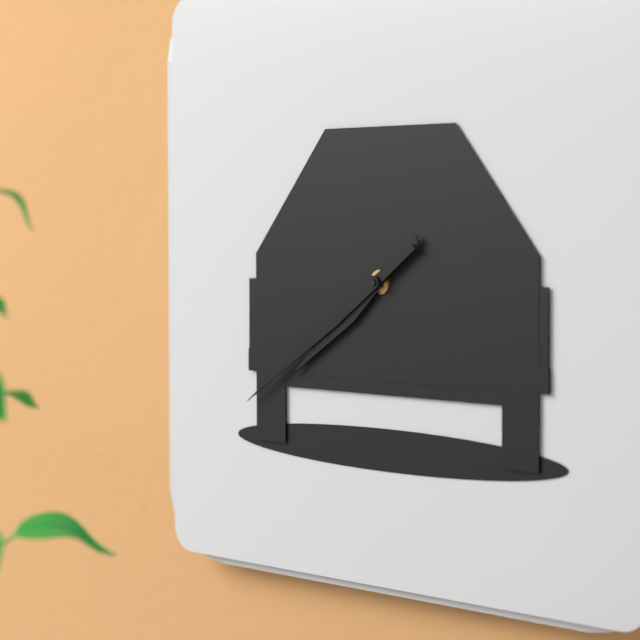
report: 7h39
